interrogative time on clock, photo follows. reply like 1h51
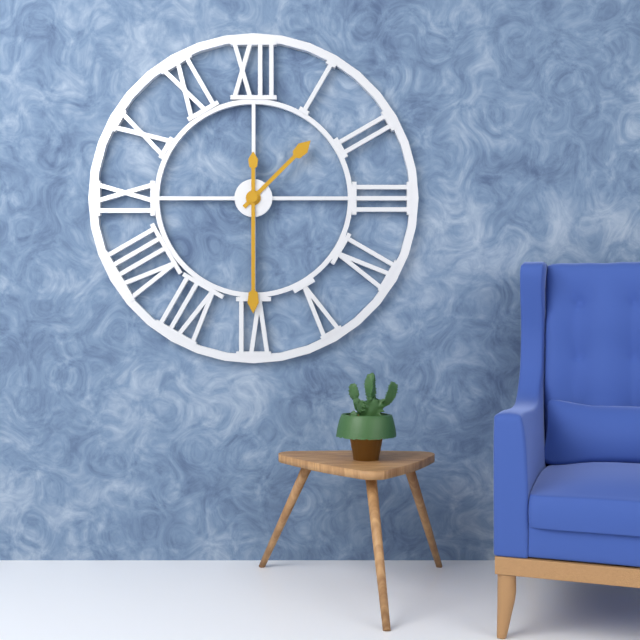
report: 1h30
